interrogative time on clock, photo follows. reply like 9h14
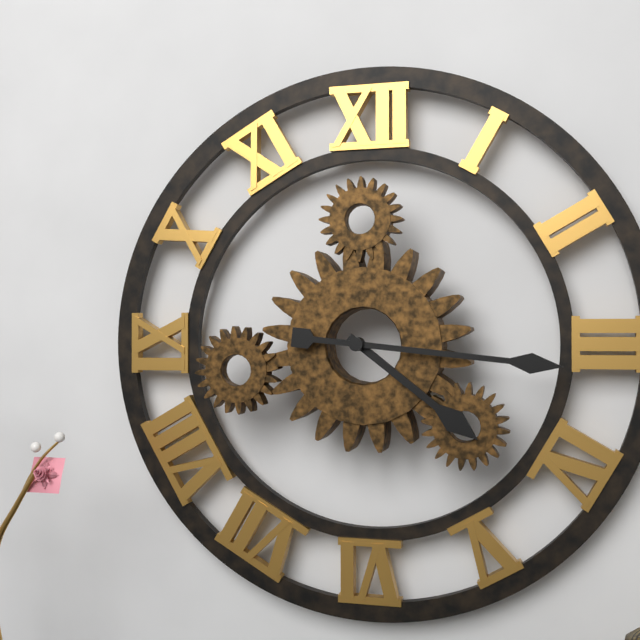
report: 4h16
